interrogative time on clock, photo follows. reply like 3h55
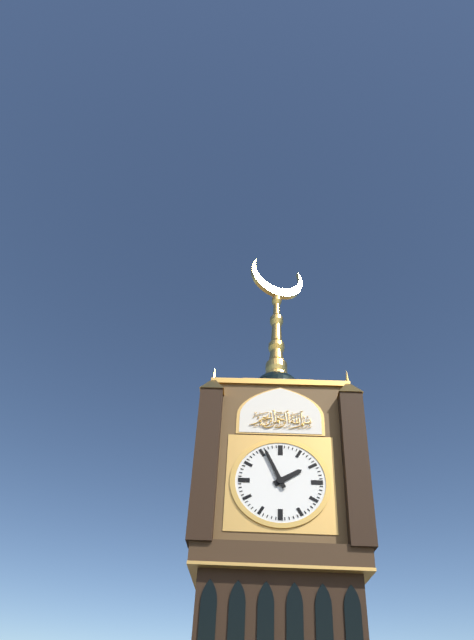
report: 1h56
